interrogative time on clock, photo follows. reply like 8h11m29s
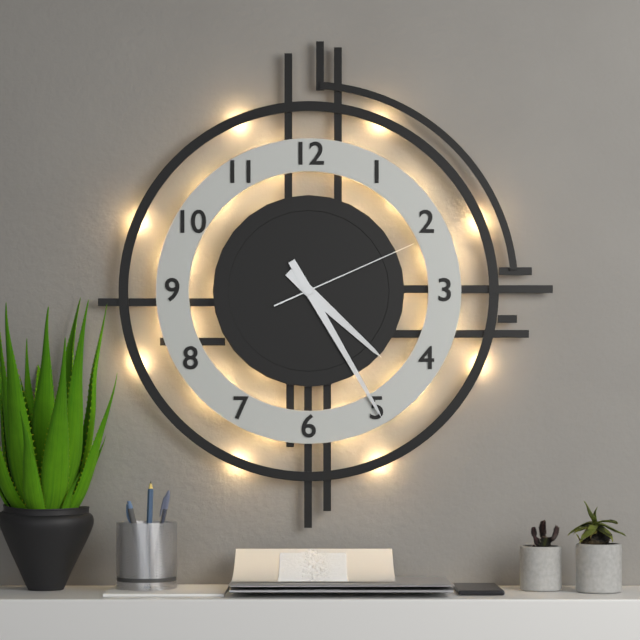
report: 4h25m11s
